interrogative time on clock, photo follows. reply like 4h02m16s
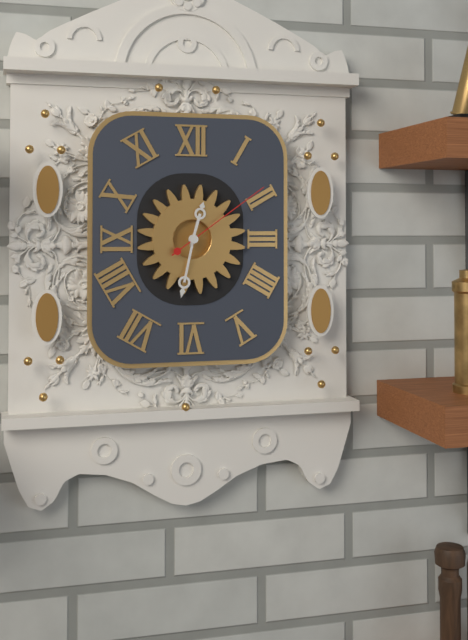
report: 12h32m09s
